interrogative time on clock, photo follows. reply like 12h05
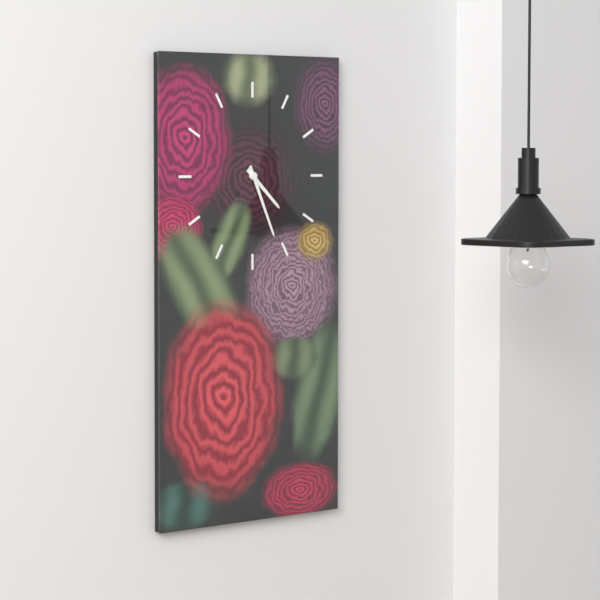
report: 4h26
